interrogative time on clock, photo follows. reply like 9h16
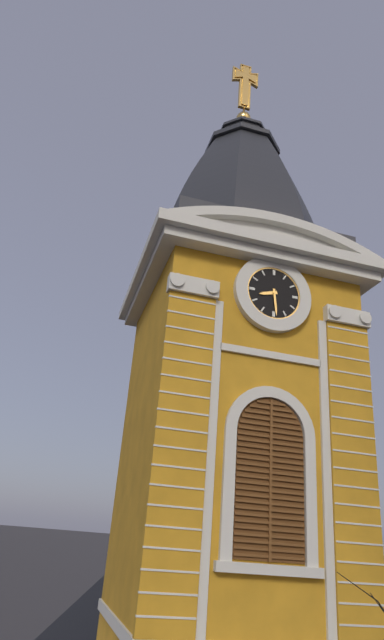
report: 8h29
